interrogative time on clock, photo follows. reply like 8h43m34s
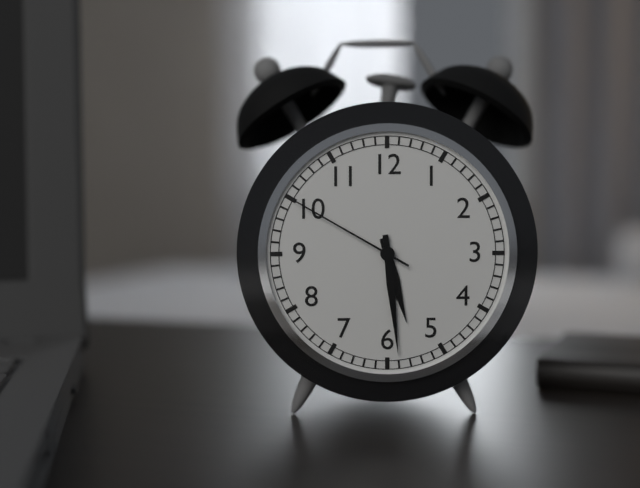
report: 5h29m50s
